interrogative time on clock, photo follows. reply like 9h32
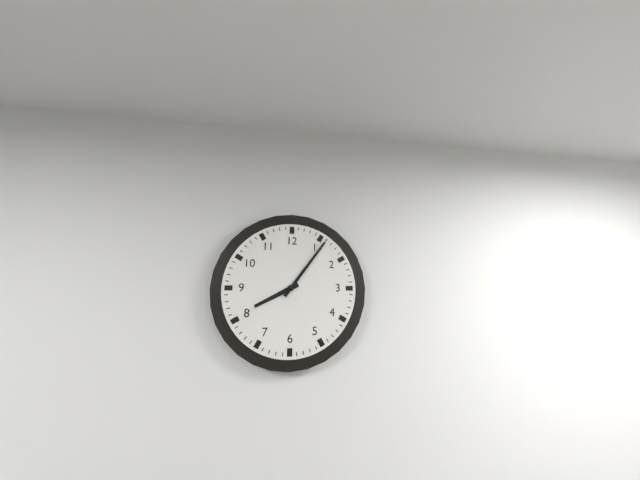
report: 8h06
